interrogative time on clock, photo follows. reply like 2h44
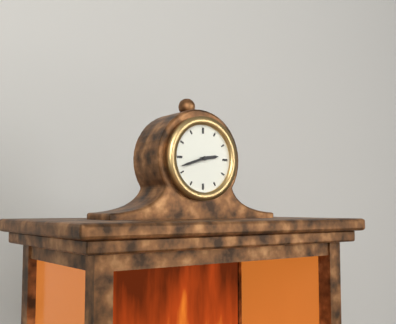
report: 2h42
